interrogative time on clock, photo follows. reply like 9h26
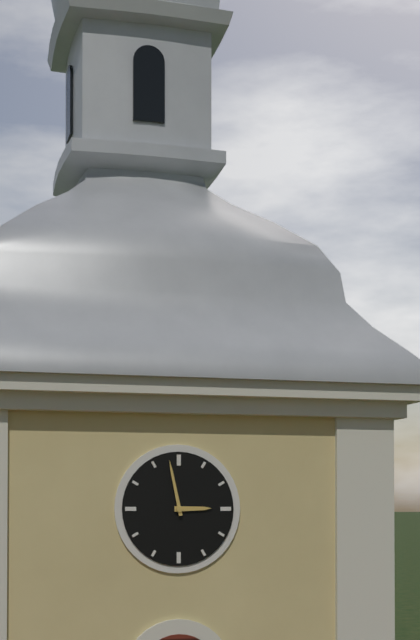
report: 2h58
